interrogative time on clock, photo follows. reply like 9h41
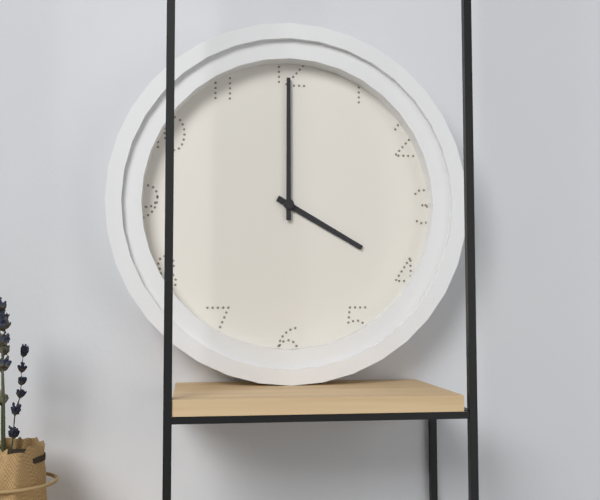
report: 4h00
